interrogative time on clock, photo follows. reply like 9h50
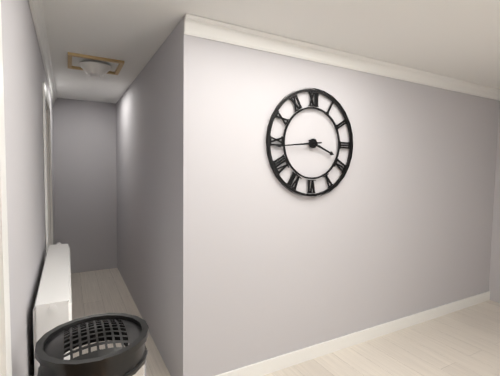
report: 3h44
